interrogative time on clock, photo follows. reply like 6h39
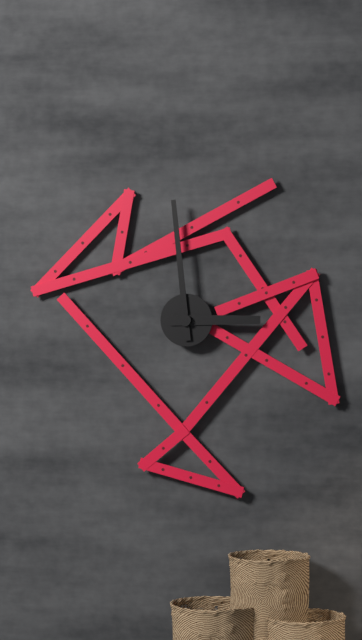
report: 2h59
